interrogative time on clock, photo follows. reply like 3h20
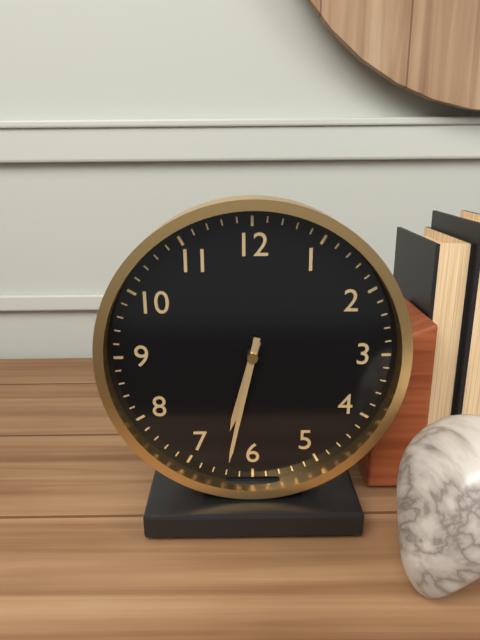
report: 6h32
